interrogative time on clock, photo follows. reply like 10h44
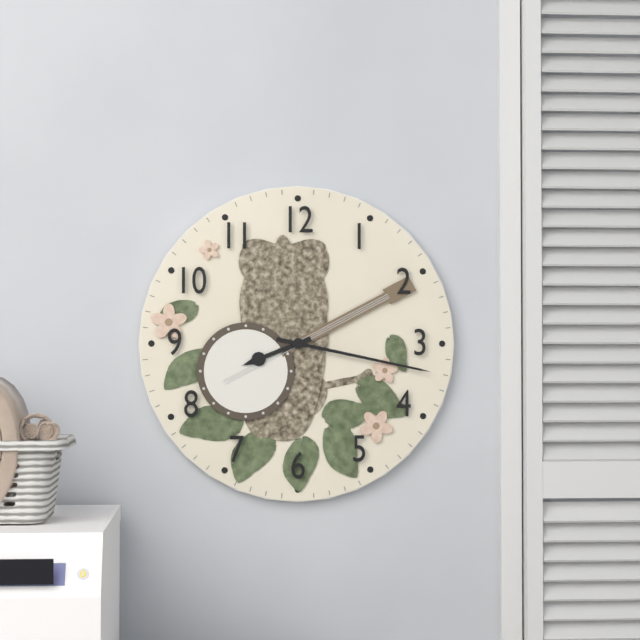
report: 8h17
